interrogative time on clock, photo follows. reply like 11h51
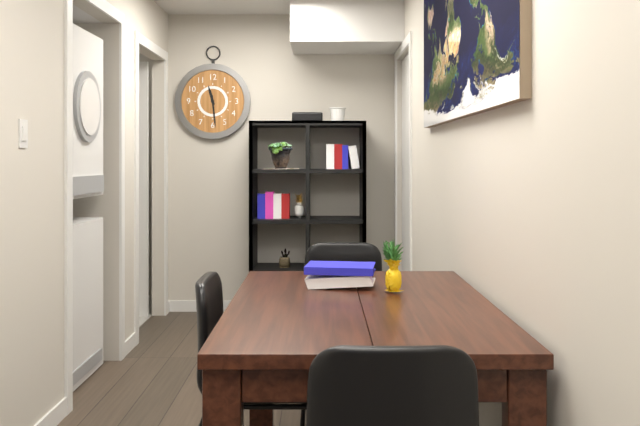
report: 11h29
